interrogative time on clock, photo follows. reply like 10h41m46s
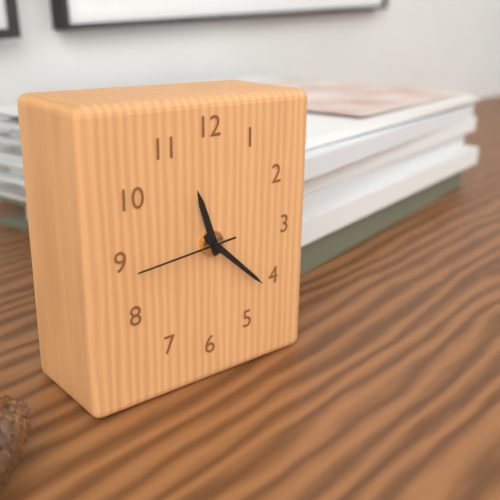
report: 11h22m44s
